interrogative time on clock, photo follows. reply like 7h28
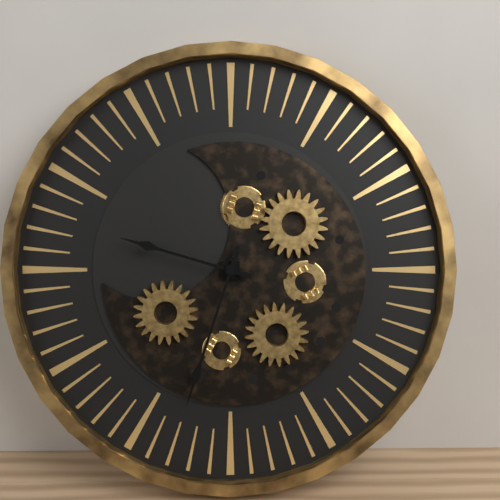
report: 9h33
